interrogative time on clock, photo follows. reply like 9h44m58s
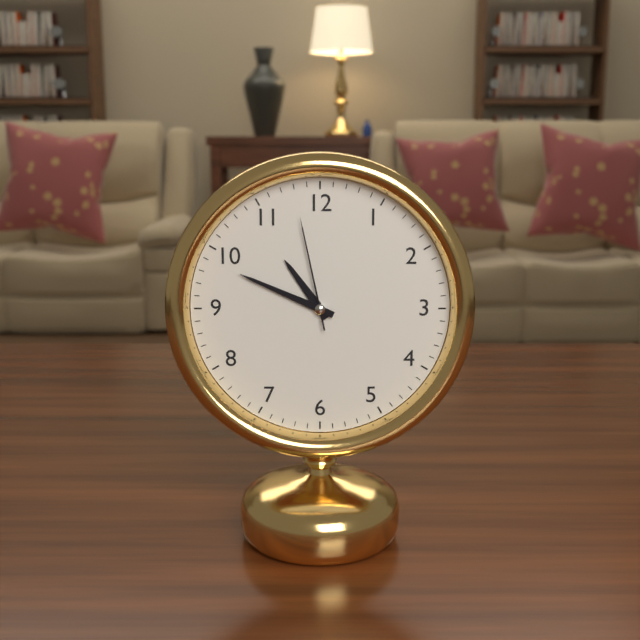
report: 10h49m58s
